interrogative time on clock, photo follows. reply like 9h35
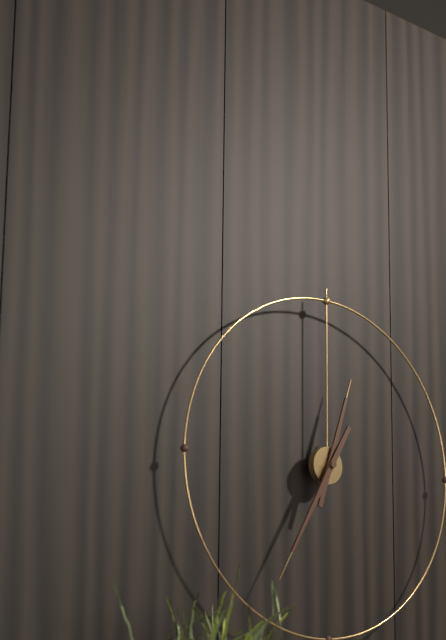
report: 12h35
